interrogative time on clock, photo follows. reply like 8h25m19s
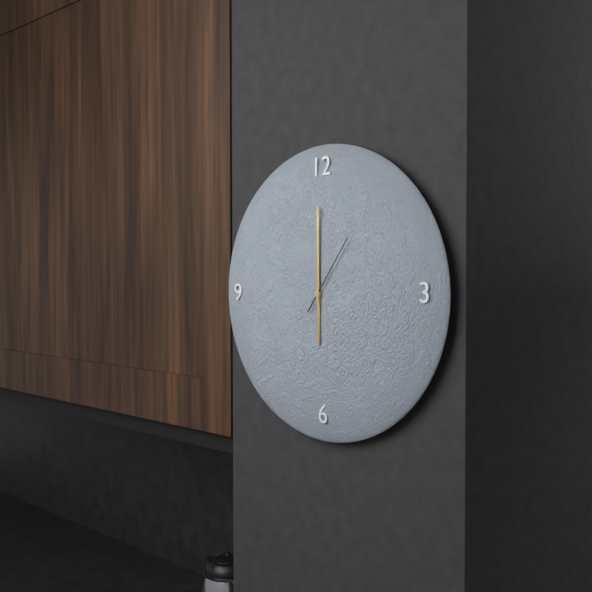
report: 6h00m06s
